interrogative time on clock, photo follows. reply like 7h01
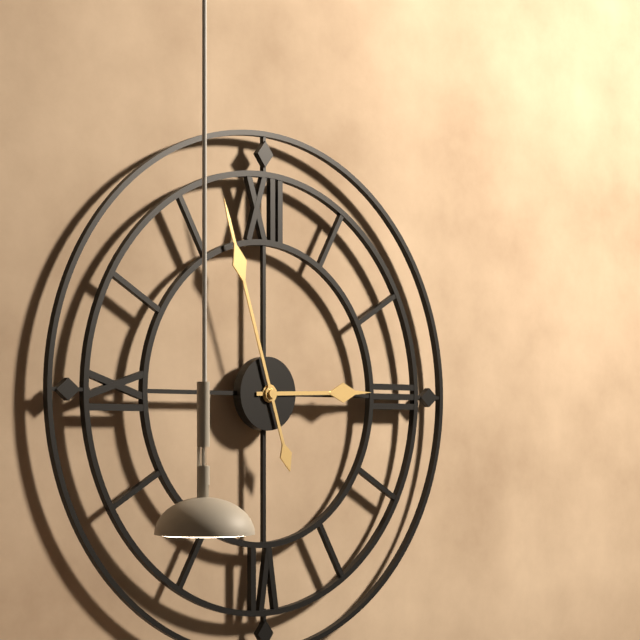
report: 2h57
